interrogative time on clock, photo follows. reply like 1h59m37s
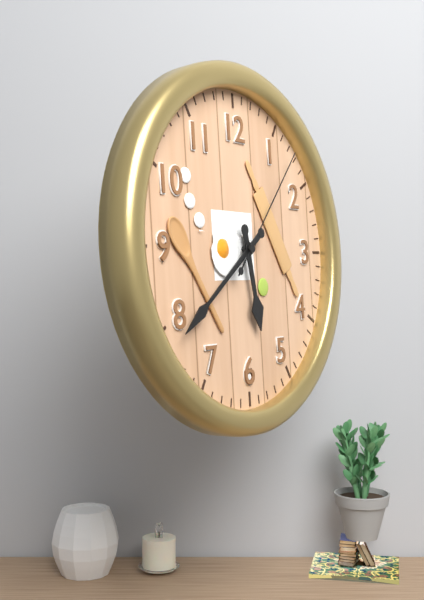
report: 5h39m07s
